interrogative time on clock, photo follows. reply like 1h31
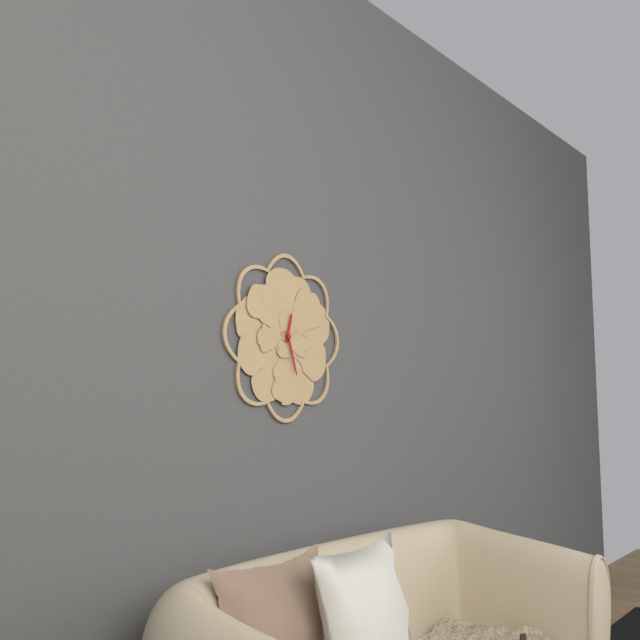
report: 12h27
